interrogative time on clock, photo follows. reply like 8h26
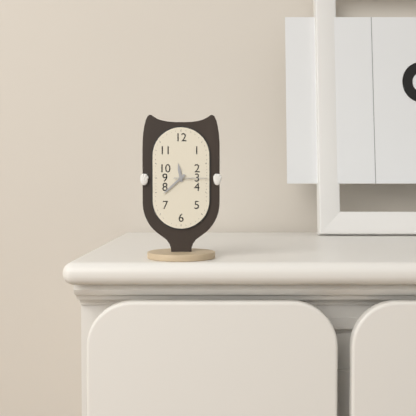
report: 11h38
